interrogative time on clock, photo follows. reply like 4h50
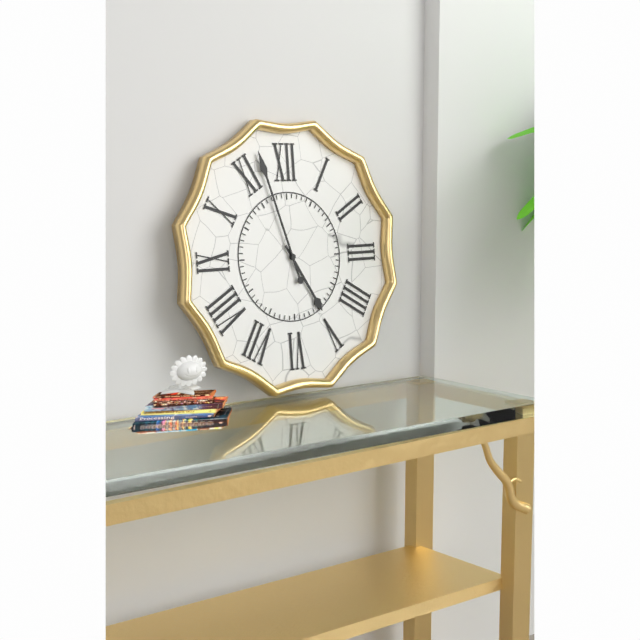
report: 4h57
